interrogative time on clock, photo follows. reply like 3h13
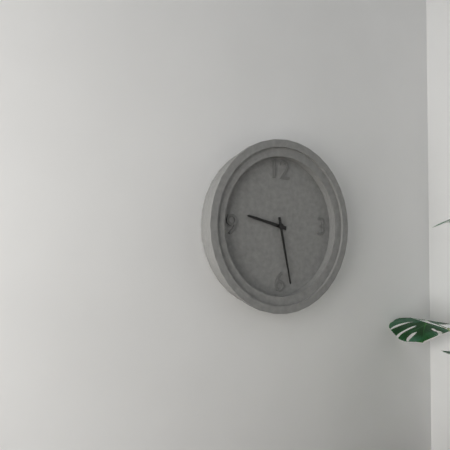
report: 9h28
